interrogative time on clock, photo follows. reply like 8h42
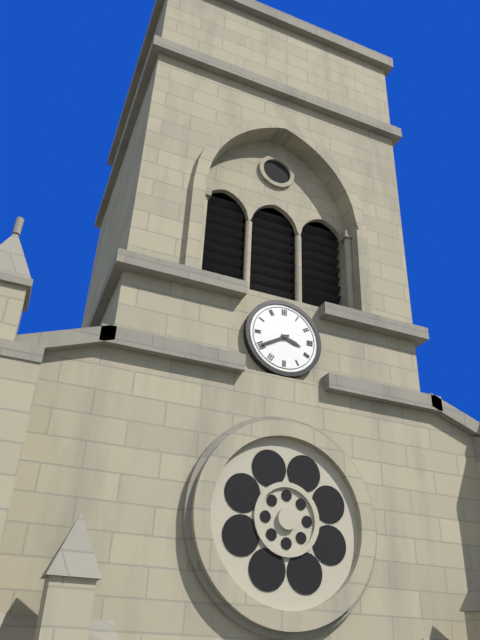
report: 3h40
